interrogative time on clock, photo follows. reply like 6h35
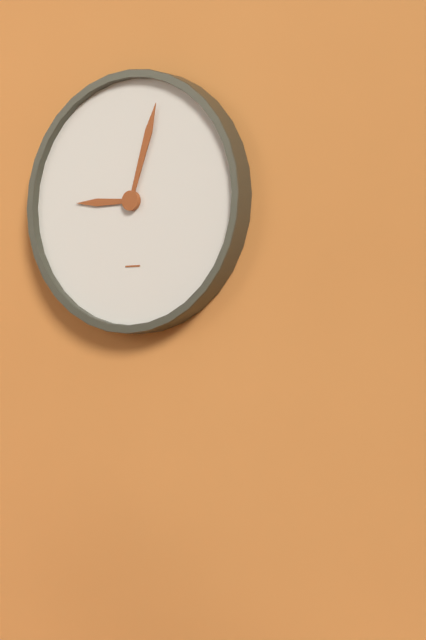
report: 9h03
